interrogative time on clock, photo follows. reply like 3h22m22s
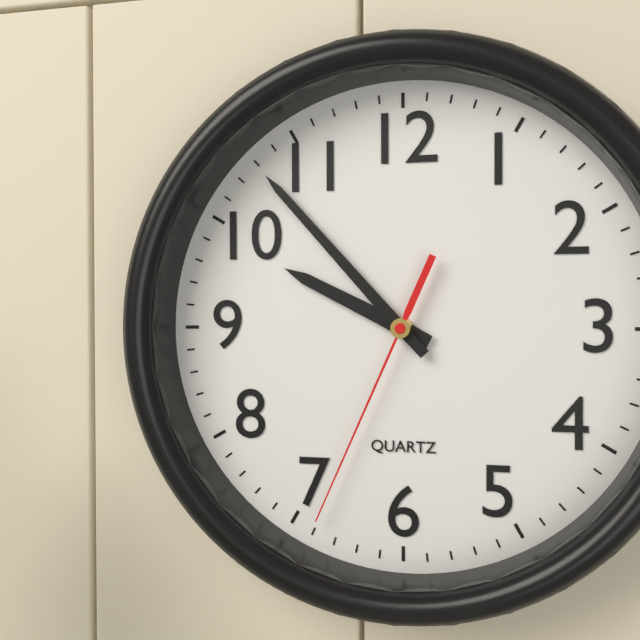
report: 9h53m34s
